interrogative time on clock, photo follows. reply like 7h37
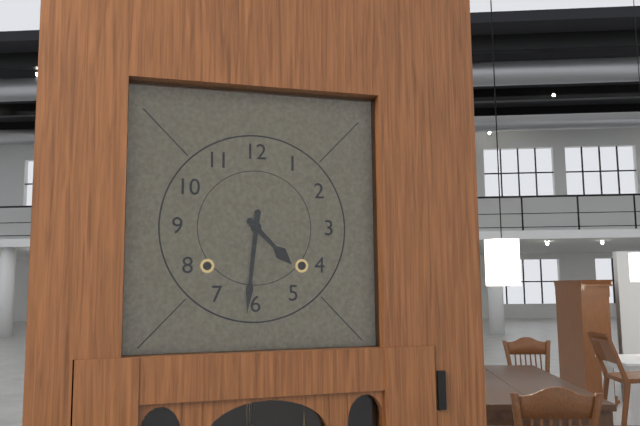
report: 4h31
